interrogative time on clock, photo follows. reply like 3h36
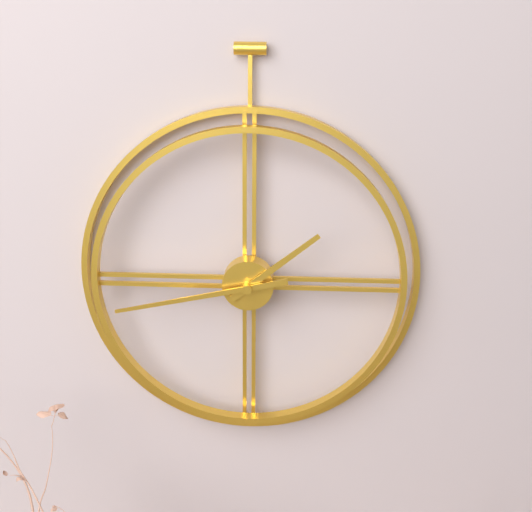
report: 1h43
